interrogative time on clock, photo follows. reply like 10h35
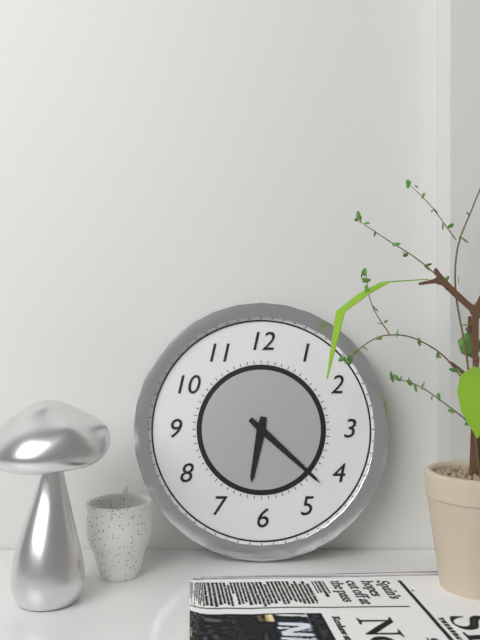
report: 6h22
